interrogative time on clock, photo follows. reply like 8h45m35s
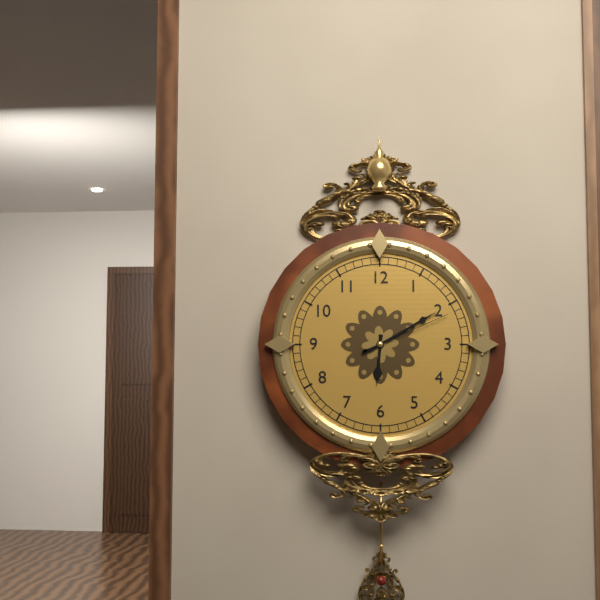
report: 6h10m11s
